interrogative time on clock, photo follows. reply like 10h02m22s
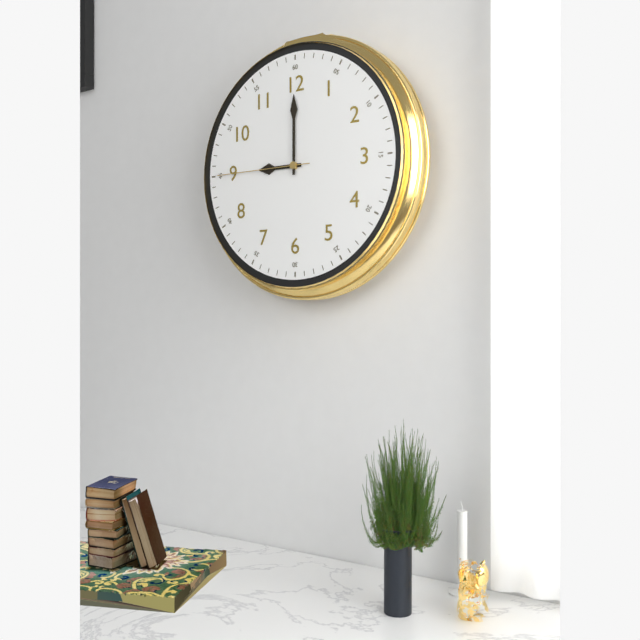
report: 9h00m45s
